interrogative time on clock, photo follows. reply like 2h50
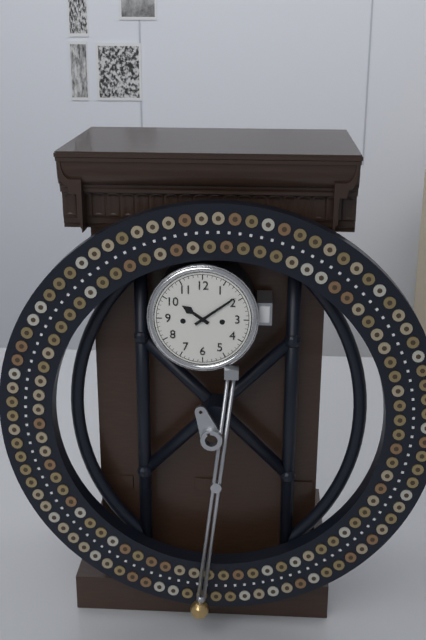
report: 10h09
